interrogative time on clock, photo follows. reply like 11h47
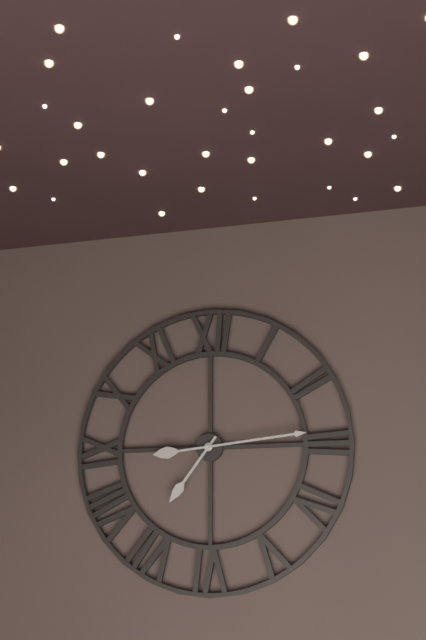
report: 7h14
